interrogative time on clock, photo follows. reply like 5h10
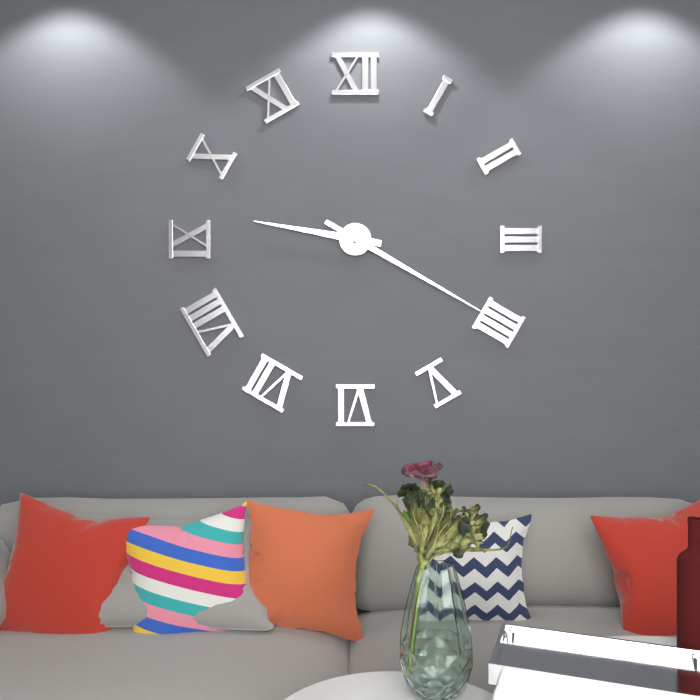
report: 9h20
